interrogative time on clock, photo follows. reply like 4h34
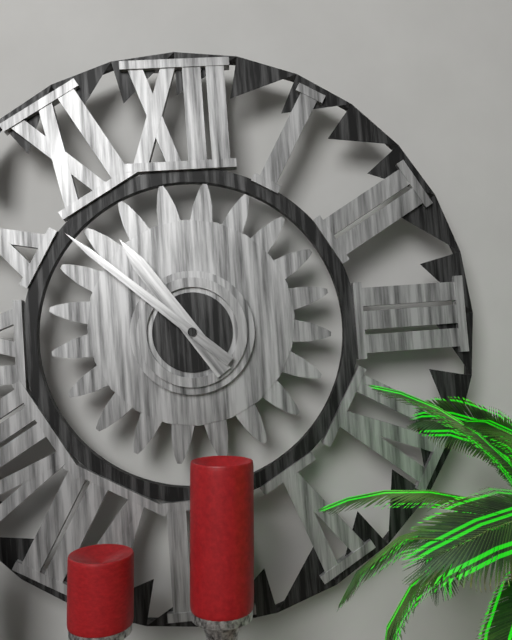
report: 10h52
